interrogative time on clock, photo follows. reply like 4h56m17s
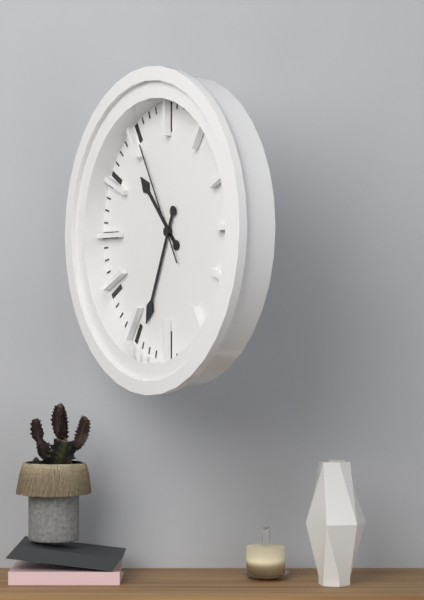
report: 10h34m55s
